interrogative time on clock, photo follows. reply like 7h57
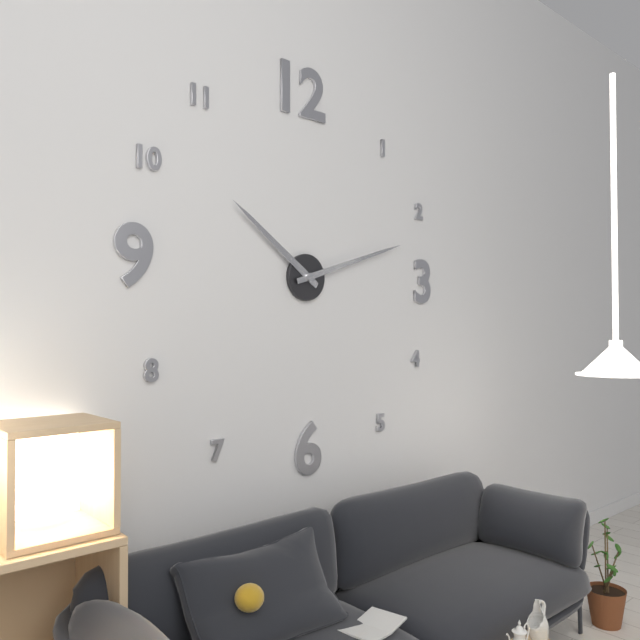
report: 10h12
